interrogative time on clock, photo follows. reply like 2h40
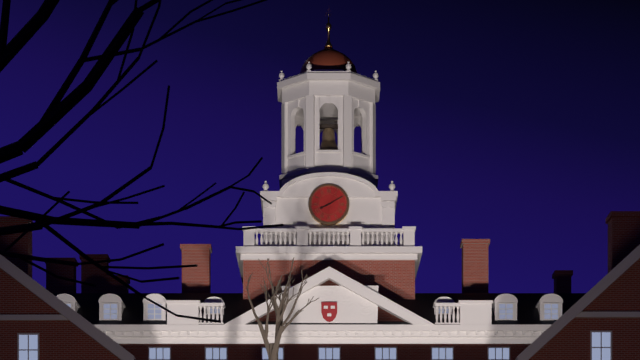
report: 8h10
